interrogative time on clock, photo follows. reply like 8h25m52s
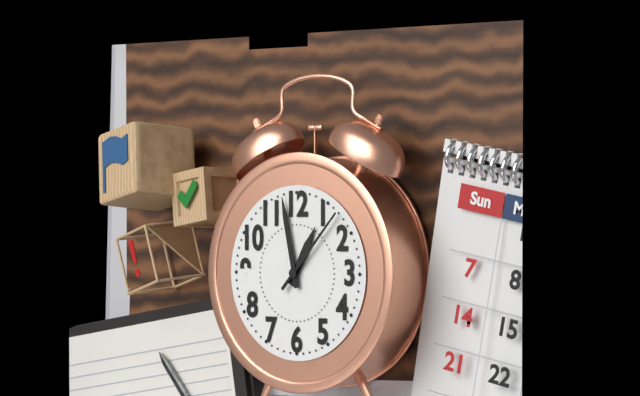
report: 12h58m07s
